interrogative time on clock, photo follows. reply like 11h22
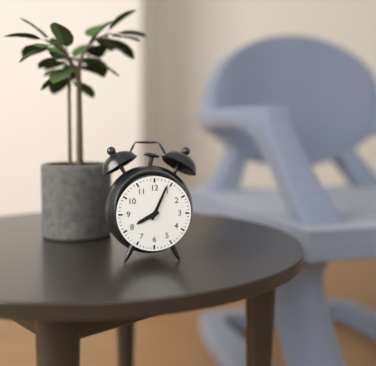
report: 8h04
